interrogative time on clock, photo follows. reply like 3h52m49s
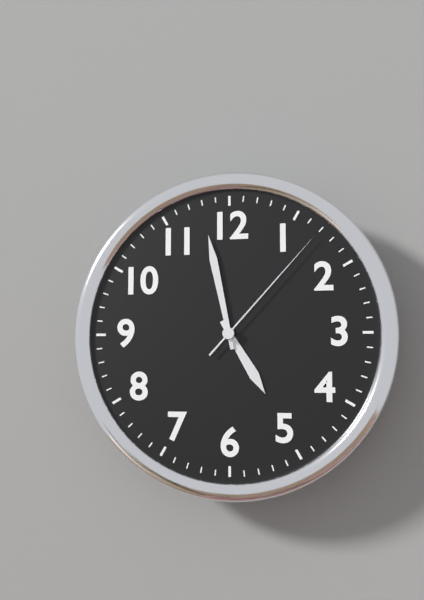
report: 4h58m07s
